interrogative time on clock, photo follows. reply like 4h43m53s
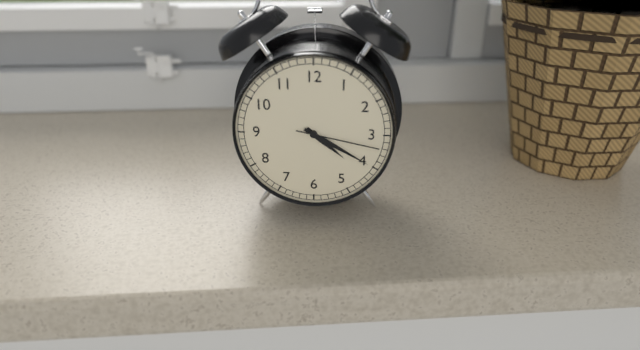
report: 4h20m17s
